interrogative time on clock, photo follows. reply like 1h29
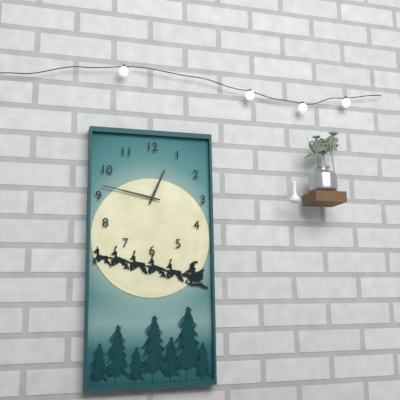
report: 12h47
